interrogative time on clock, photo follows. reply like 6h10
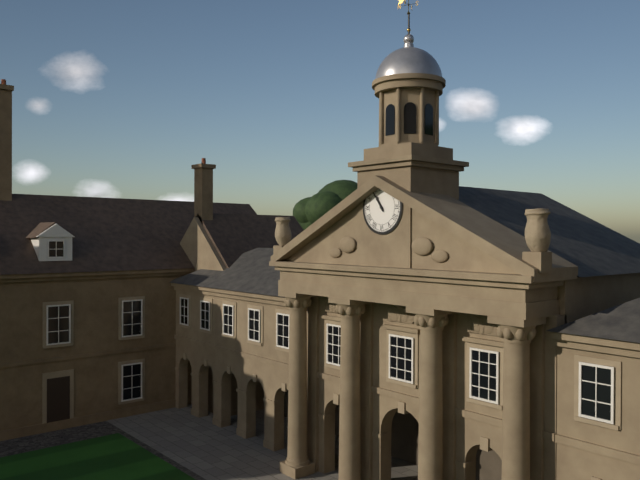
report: 10h54
